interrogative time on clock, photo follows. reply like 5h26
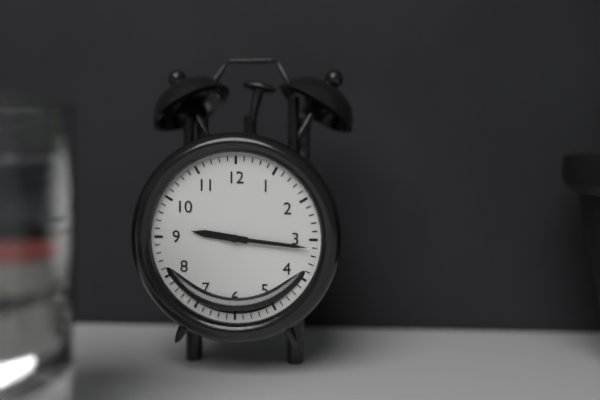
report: 9h16
